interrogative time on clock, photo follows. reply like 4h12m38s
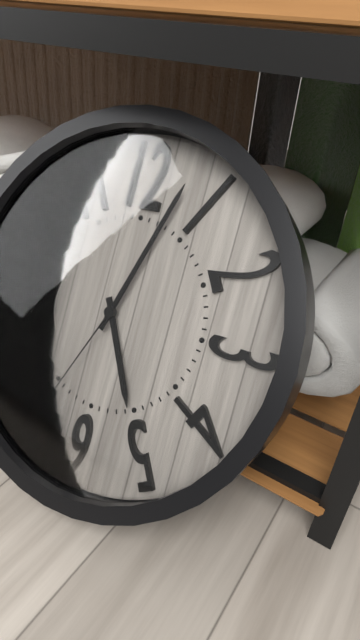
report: 5h03m34s
